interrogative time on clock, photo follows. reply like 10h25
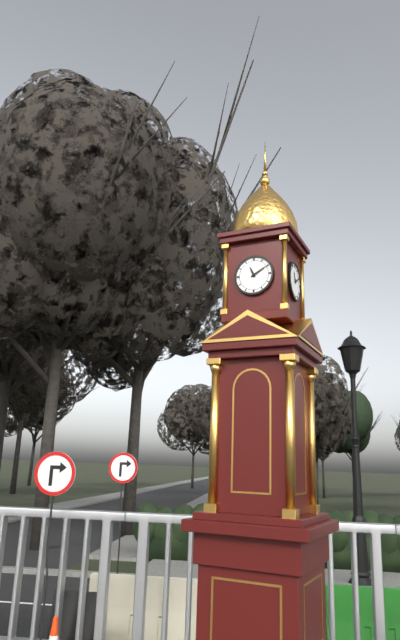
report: 11h10
